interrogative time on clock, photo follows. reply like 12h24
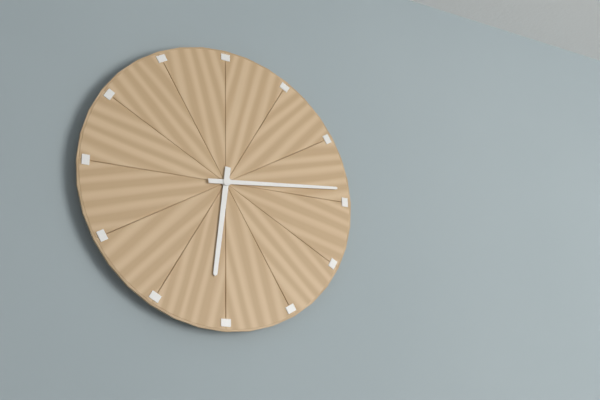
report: 6h14
